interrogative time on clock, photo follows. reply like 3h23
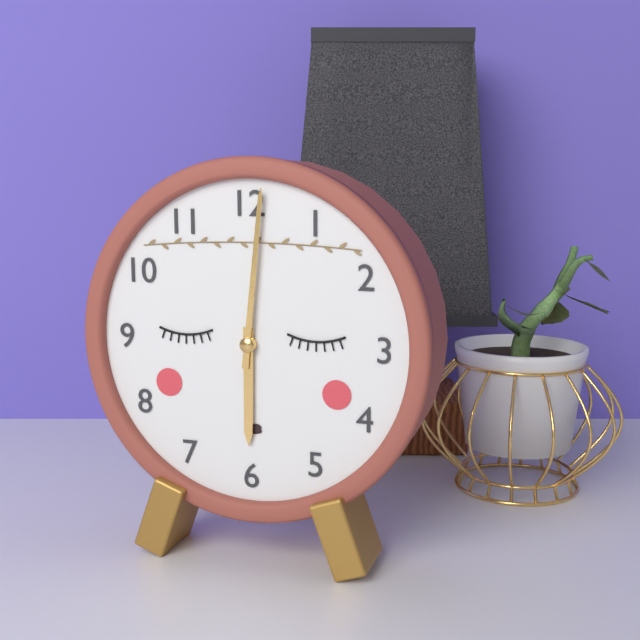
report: 6h01
